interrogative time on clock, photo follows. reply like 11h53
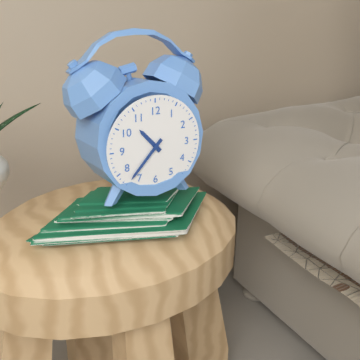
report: 10h37
